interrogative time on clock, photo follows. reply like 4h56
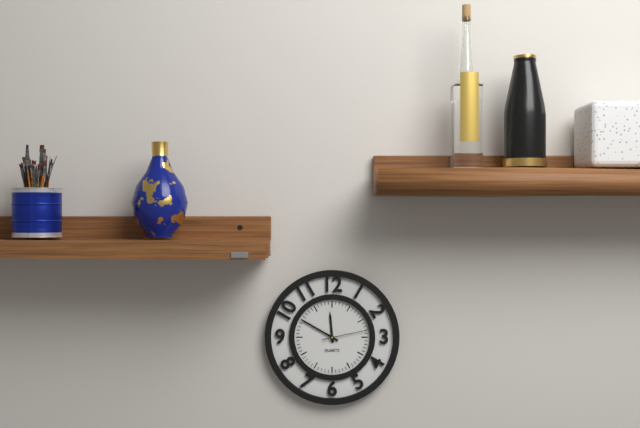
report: 11h50
